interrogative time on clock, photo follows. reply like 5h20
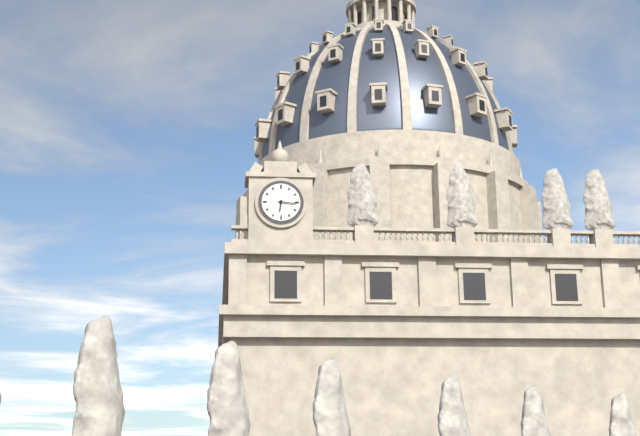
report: 6h16
